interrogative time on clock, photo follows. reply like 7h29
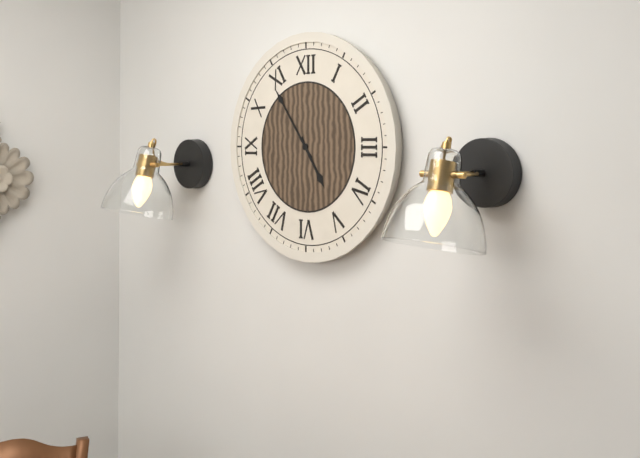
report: 4h54
